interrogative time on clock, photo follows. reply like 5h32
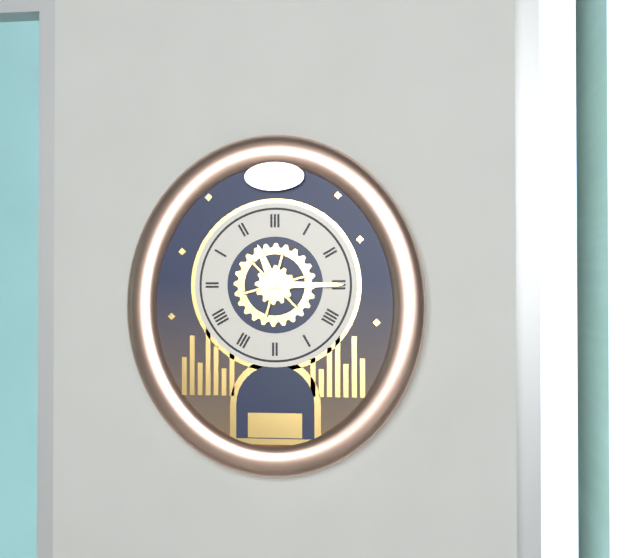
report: 11h15
